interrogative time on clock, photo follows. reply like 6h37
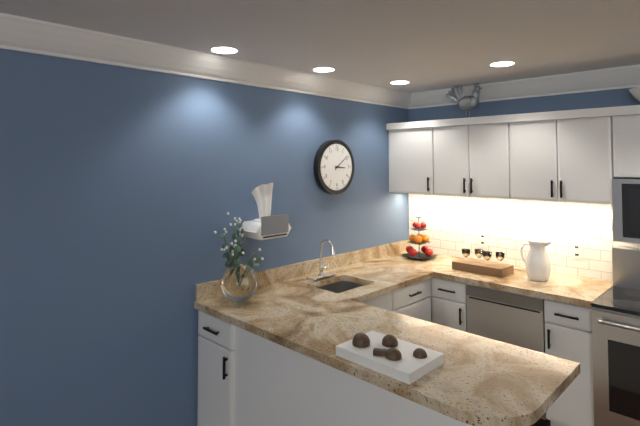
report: 3h09
